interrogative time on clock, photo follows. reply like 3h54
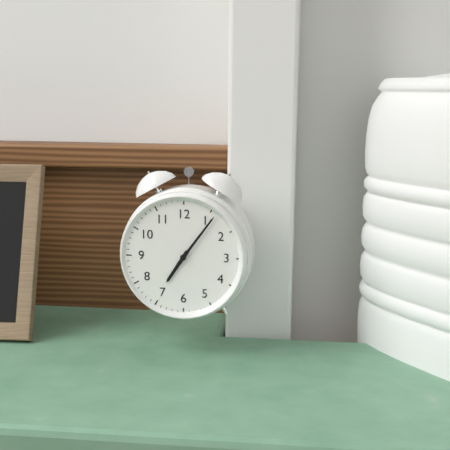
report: 7h06
